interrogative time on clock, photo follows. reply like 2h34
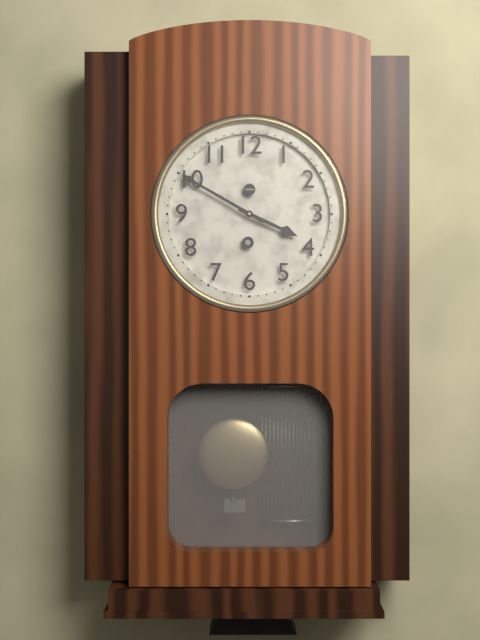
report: 3h50
